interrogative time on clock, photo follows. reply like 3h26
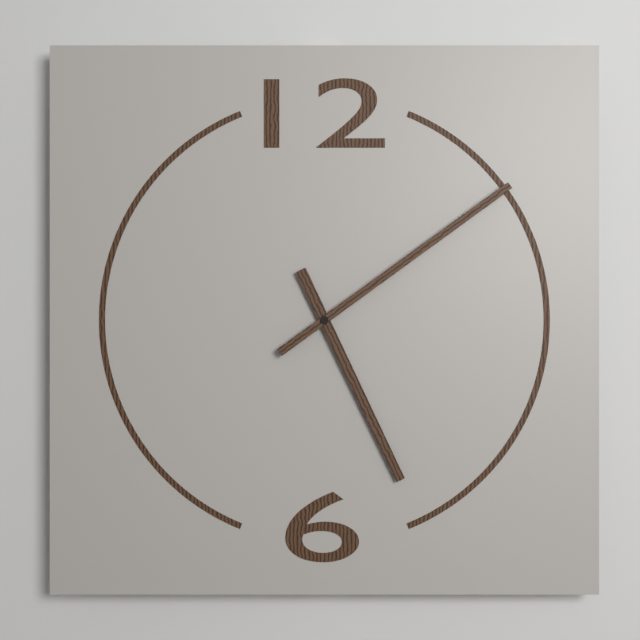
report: 5h09
